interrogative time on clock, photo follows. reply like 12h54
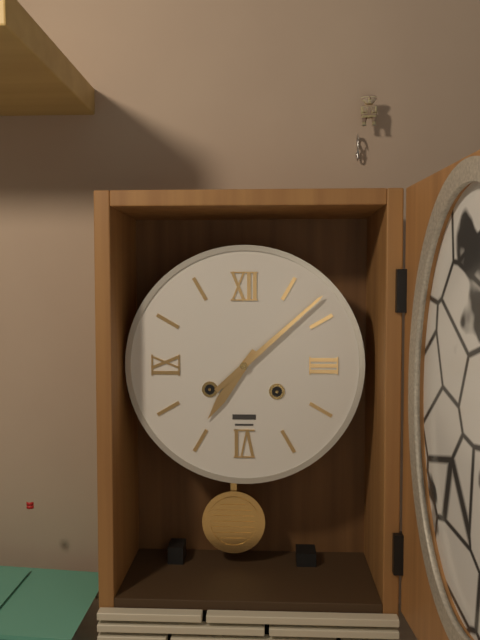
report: 7h08
